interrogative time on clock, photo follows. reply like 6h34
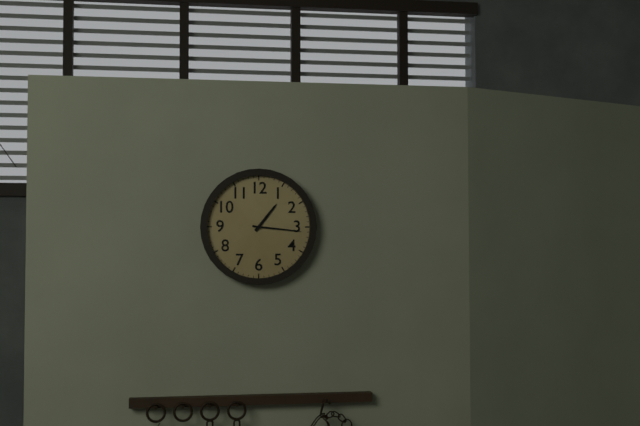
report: 1h16
